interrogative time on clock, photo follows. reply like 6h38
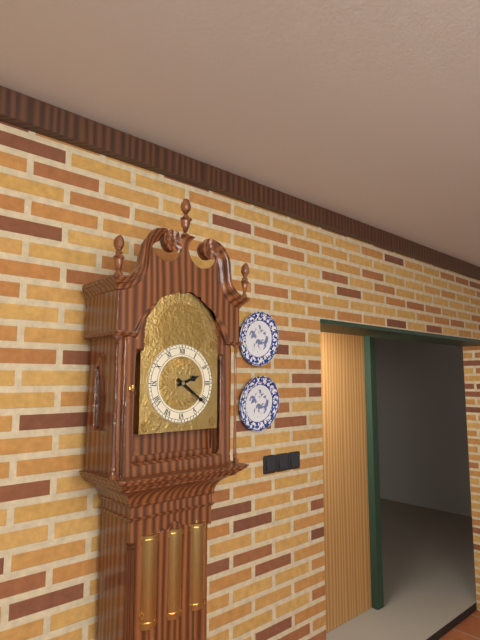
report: 2h21
